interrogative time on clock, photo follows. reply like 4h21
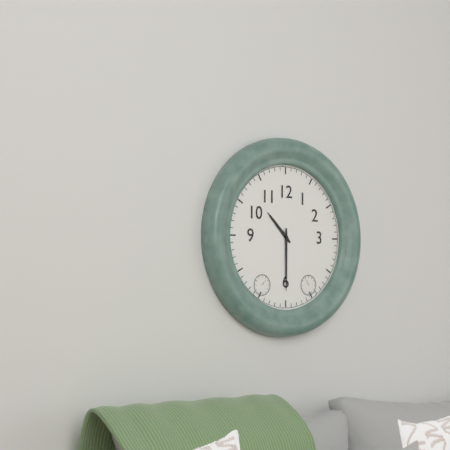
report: 10h30
